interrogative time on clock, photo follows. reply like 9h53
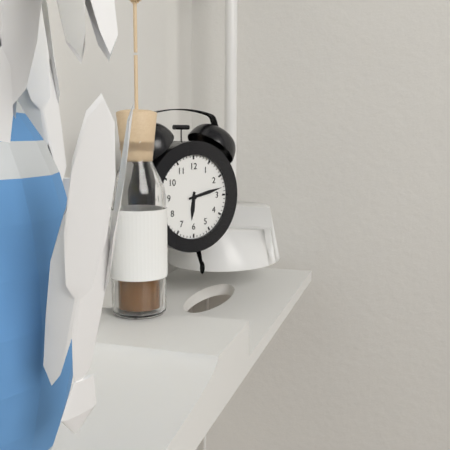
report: 6h13
